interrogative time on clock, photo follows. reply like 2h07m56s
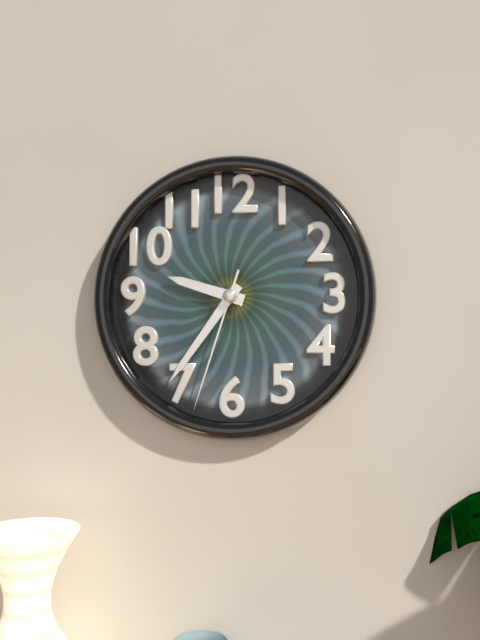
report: 9h36m33s
